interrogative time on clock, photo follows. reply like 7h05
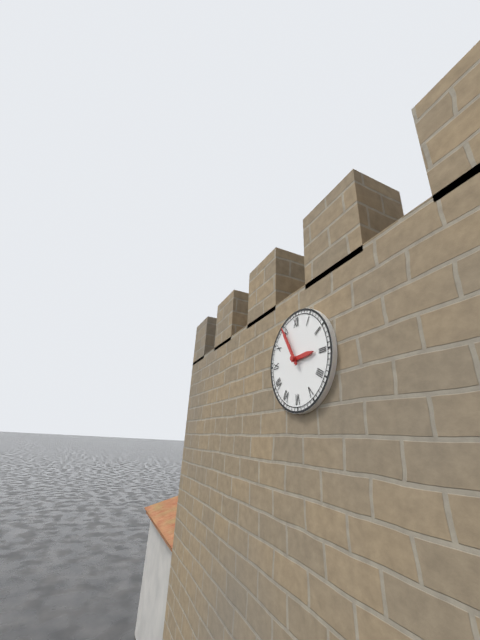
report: 2h55
